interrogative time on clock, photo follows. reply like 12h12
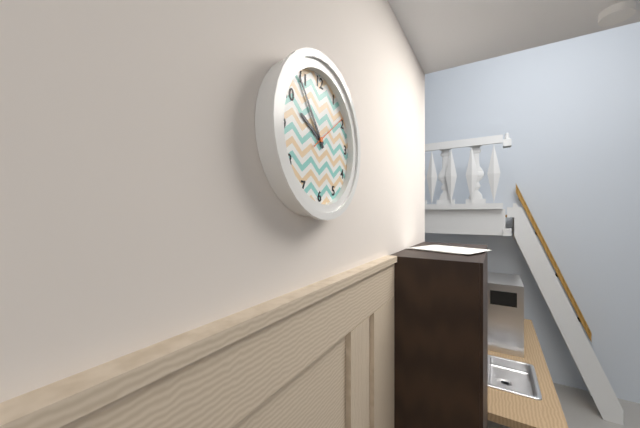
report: 9h54
